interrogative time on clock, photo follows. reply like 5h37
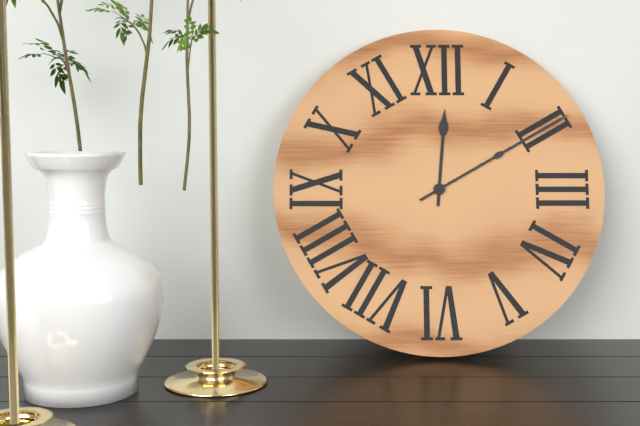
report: 12h10
